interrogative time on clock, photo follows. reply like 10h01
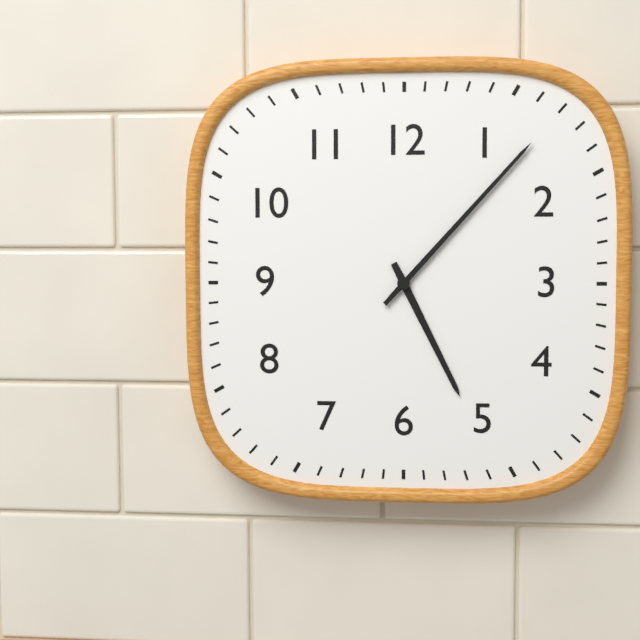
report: 5h07
